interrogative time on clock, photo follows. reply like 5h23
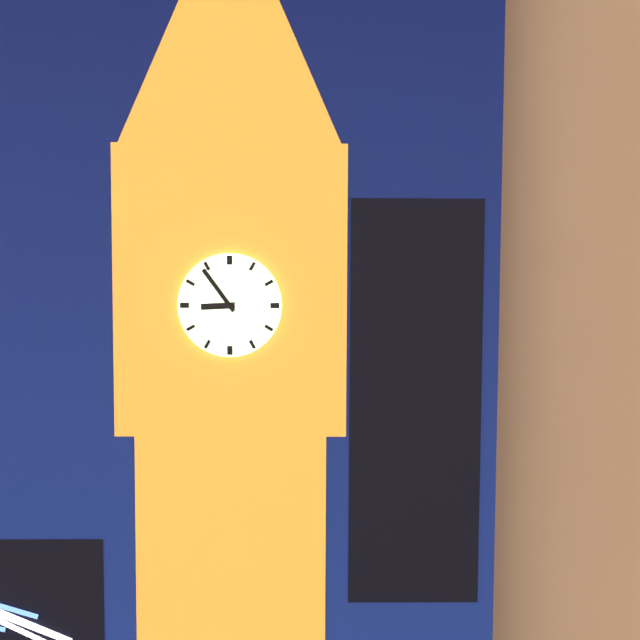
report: 8h54
